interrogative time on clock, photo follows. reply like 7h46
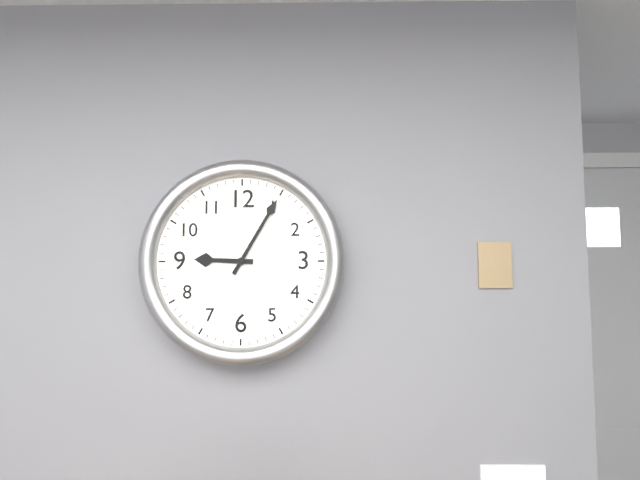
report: 9h05
